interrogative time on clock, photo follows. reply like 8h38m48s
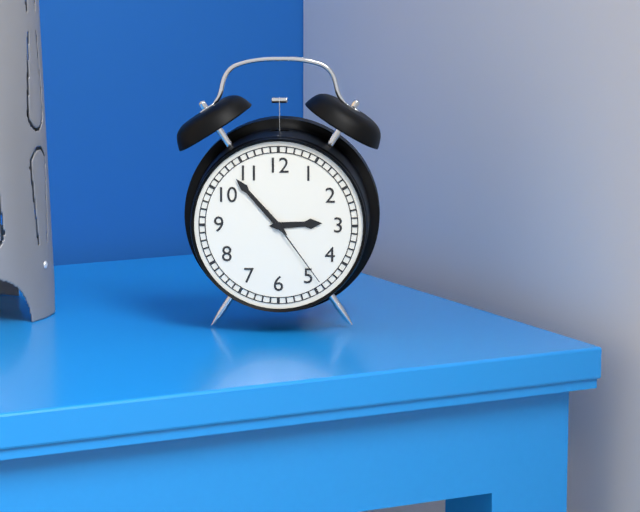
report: 2h53m24s
